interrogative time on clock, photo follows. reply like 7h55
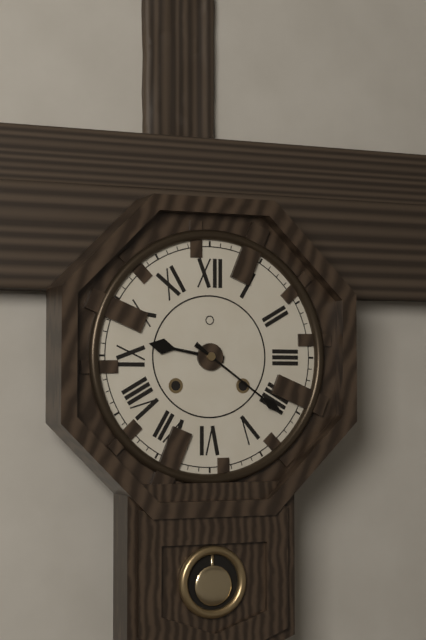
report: 9h21
